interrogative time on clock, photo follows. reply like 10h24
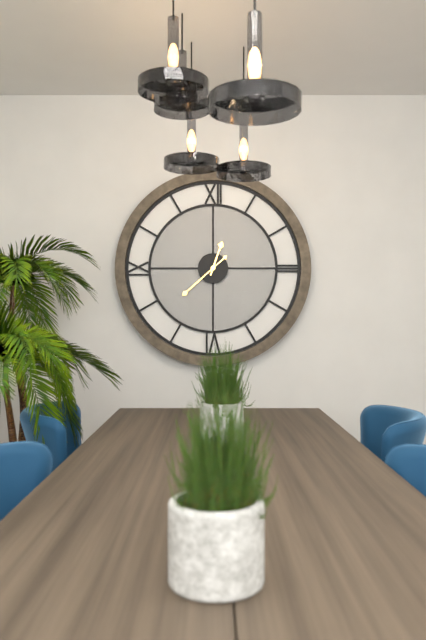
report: 12h38
